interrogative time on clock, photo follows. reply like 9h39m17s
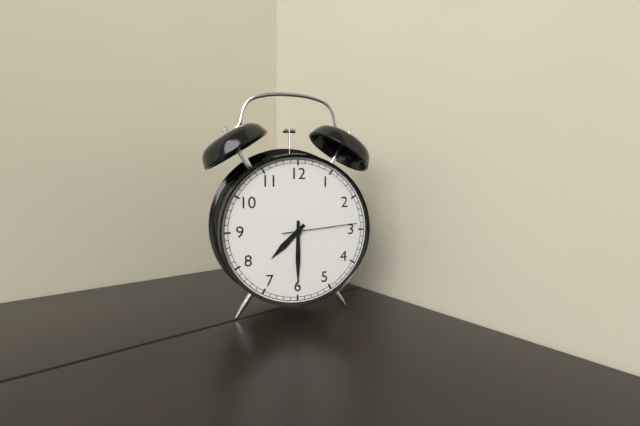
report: 7h30m14s
